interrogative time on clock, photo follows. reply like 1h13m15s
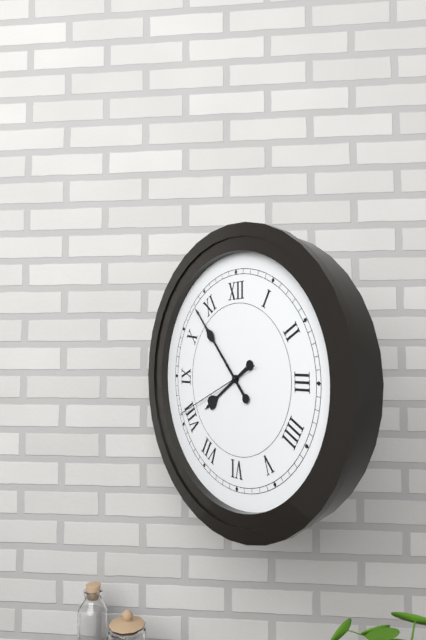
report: 7h53m41s
